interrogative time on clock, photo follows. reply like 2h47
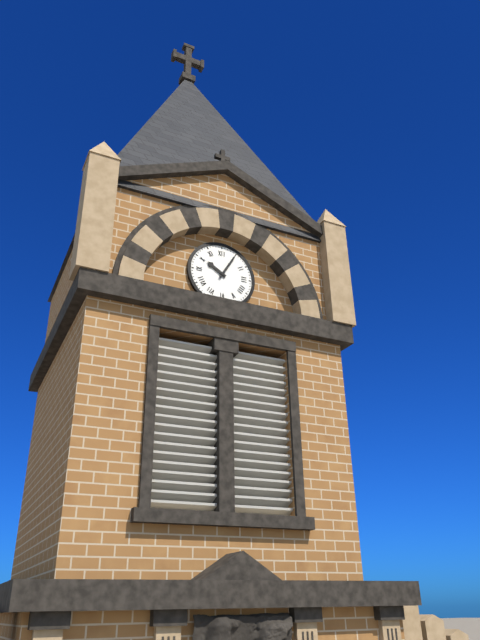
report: 10h05
